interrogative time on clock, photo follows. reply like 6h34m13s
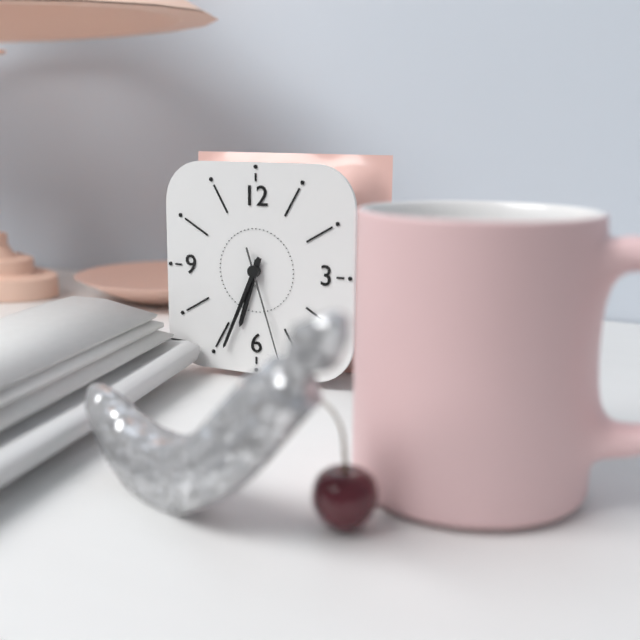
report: 6h34m27s
